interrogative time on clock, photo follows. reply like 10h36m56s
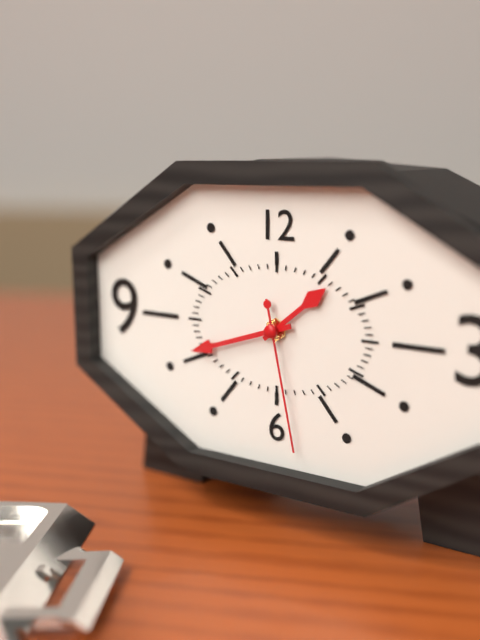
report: 1h42m28s
